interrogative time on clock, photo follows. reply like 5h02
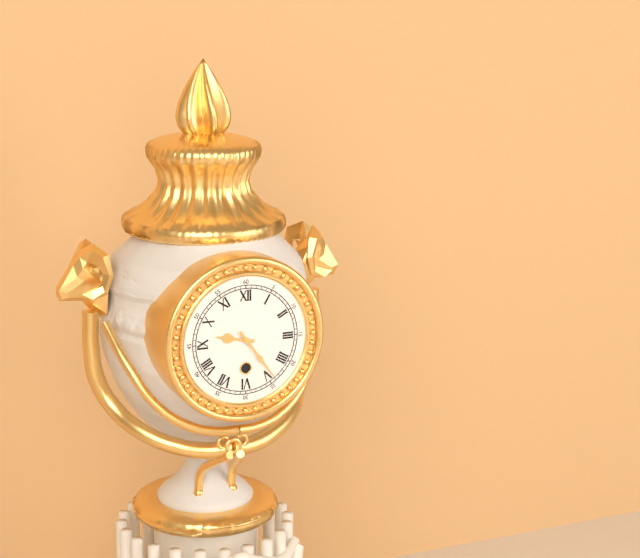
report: 9h24
